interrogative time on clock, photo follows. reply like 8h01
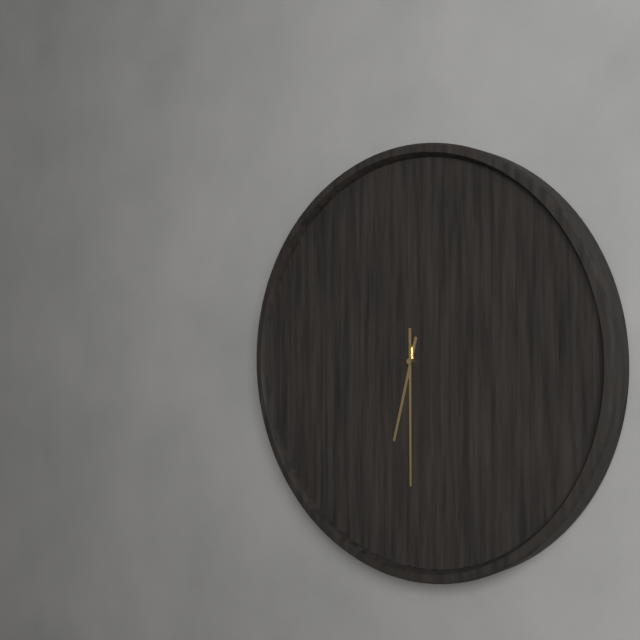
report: 6h30
